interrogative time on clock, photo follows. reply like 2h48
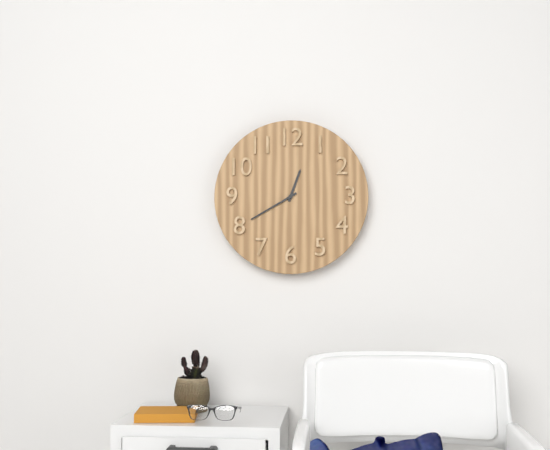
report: 12h40
